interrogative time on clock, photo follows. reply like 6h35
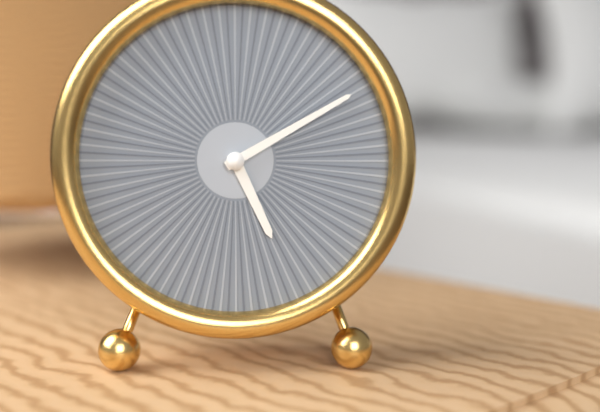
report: 5h10
